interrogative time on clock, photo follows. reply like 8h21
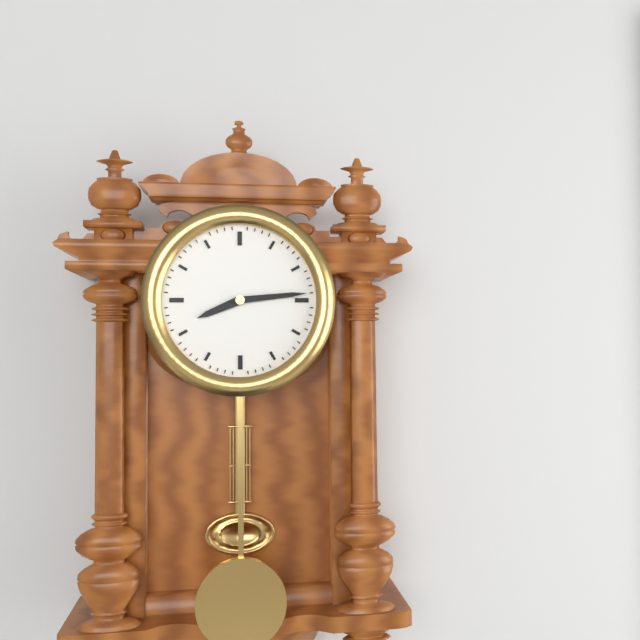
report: 8h14
